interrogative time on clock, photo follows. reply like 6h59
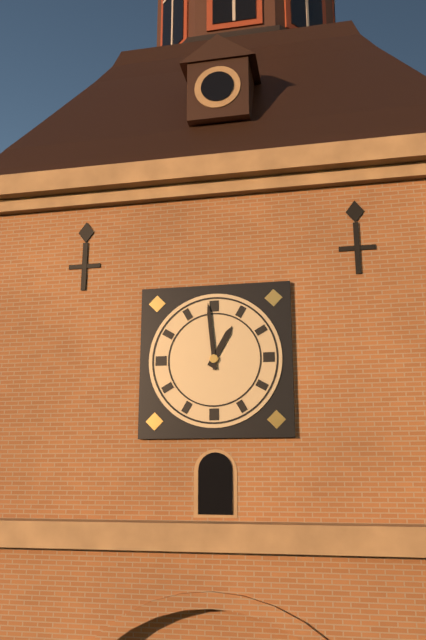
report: 12h59
